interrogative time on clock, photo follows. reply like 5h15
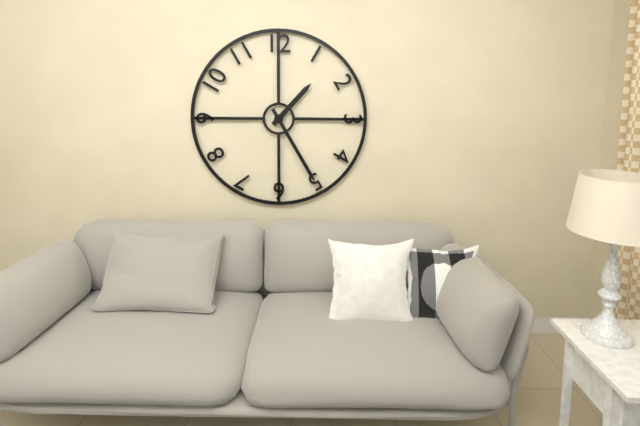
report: 1h25
